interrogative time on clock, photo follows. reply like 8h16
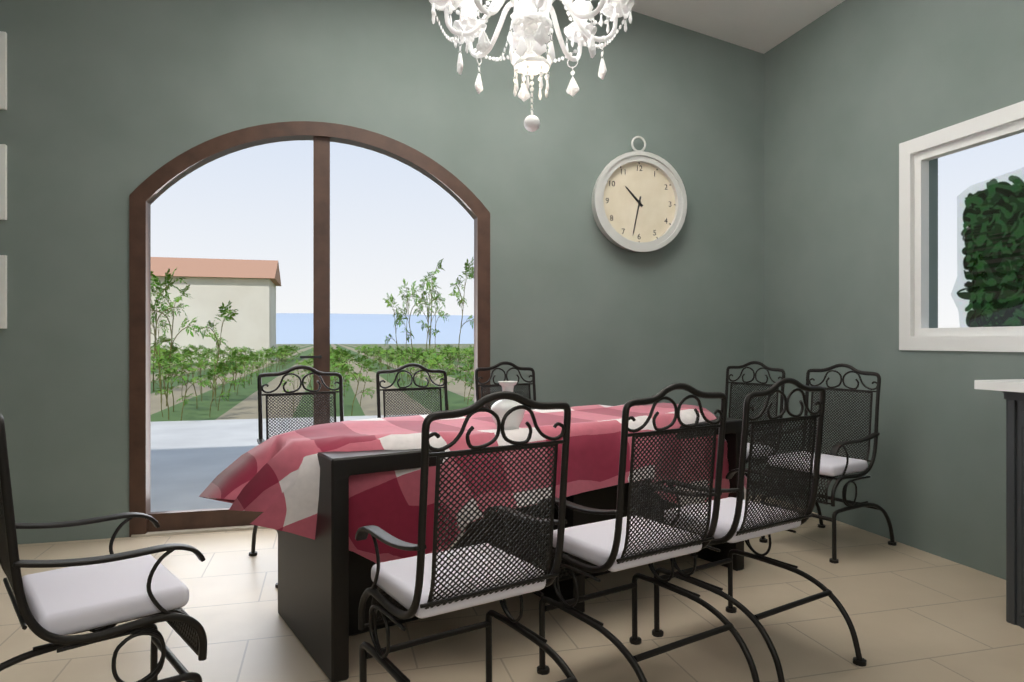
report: 10h32
